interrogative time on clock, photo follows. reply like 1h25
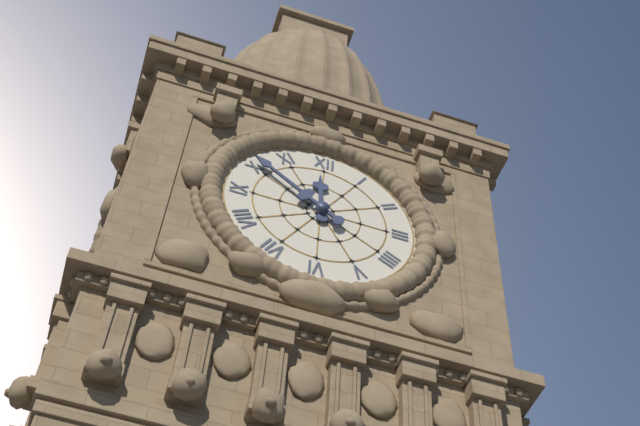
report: 11h51
